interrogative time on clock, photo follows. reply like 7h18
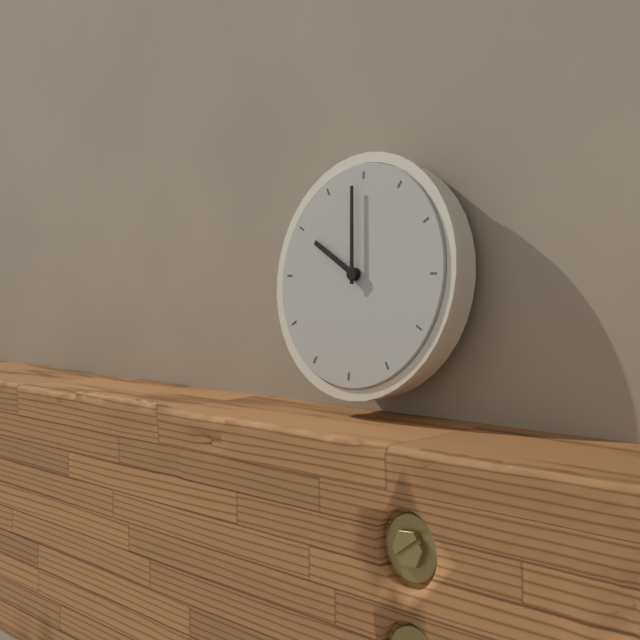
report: 9h59
